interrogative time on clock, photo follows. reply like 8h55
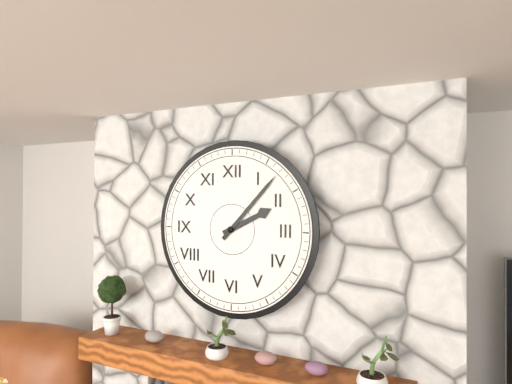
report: 2h07
